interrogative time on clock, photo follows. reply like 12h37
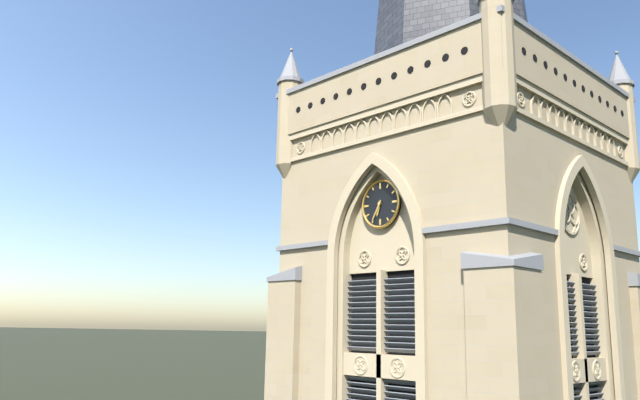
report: 6h35
